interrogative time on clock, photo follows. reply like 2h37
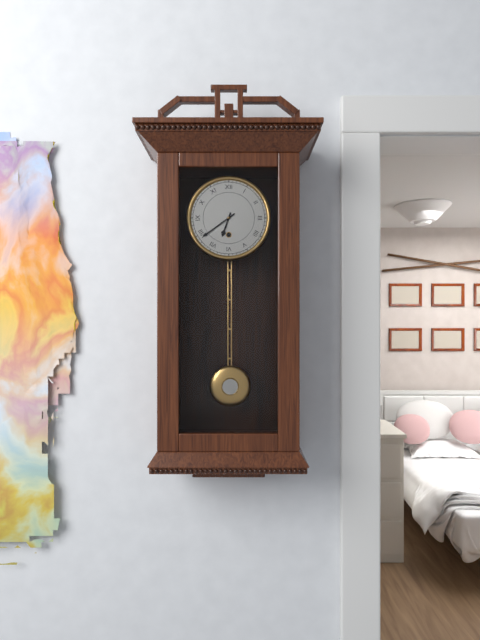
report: 6h39
